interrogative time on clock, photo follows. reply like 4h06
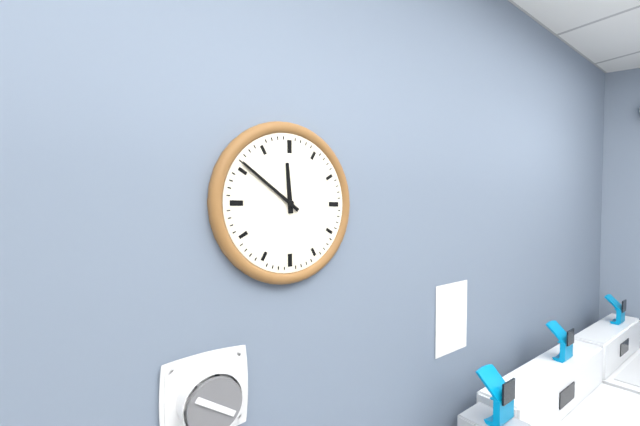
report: 11h51
